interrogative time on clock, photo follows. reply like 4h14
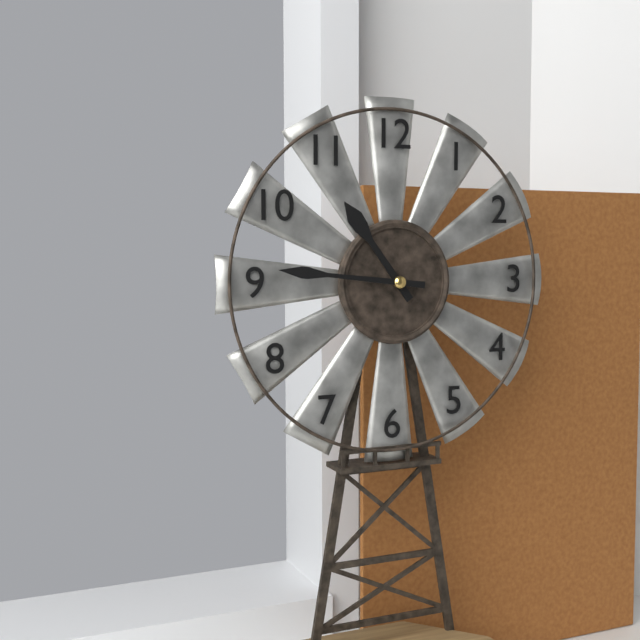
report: 10h46
